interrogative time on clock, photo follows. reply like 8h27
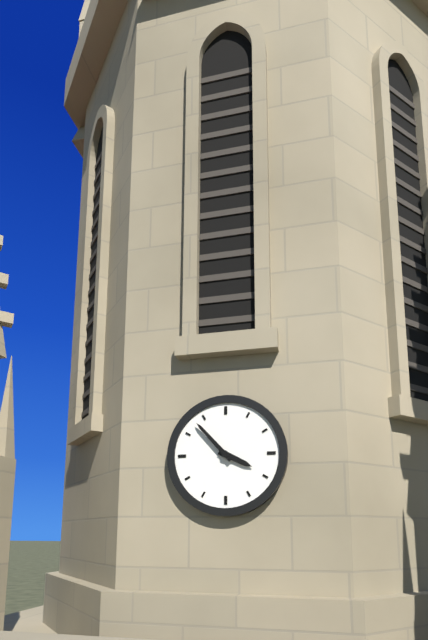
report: 3h53
